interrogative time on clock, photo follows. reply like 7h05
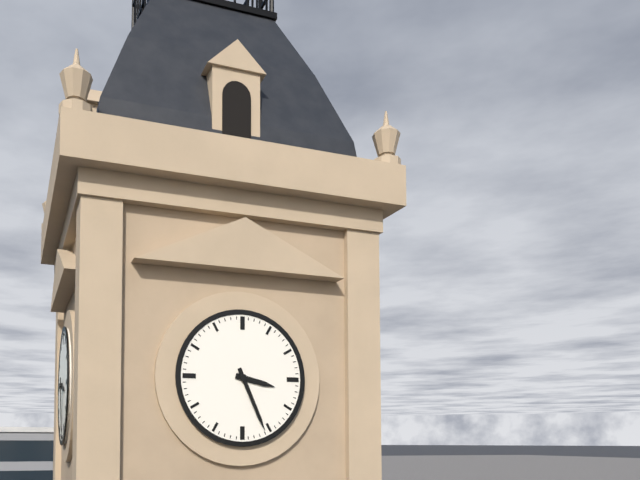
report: 3h26
